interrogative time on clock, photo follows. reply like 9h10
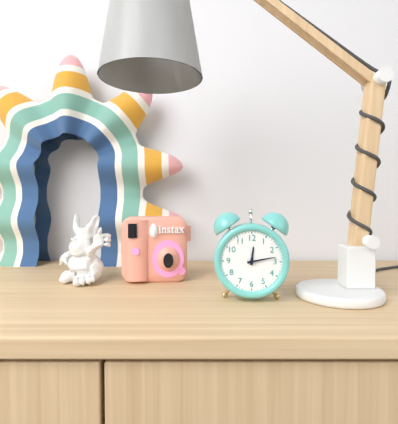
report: 12h13
